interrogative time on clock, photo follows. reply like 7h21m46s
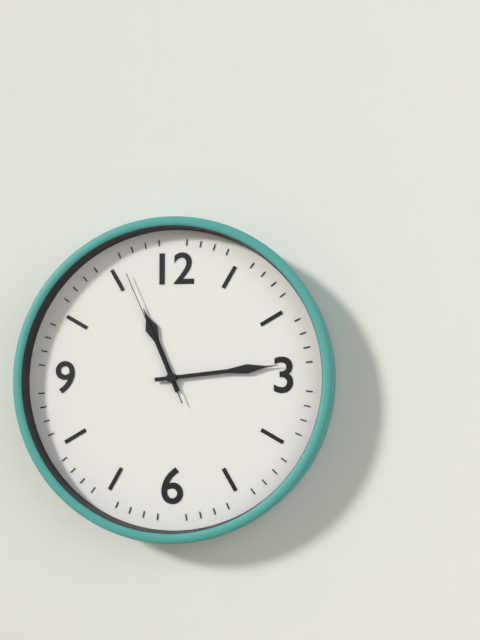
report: 11h14m56s
